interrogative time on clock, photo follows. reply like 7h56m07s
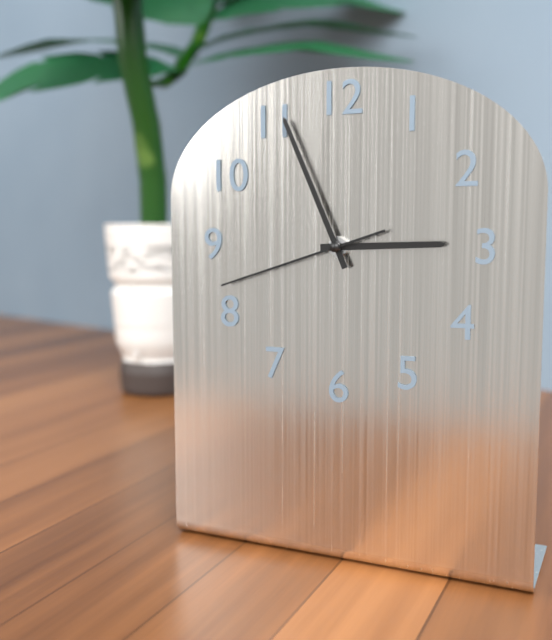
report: 2h56m42s
